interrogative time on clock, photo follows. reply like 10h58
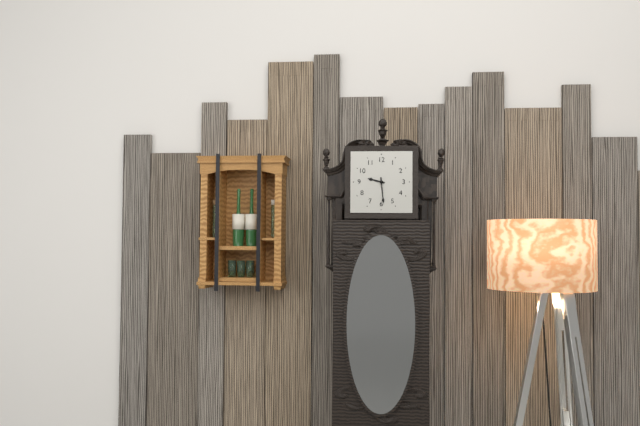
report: 9h29
